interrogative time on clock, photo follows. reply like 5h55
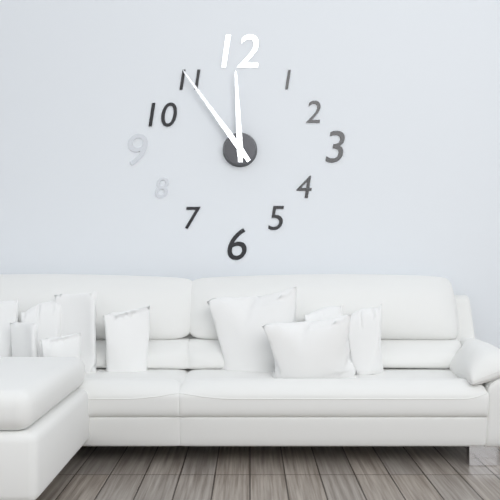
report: 11h54
